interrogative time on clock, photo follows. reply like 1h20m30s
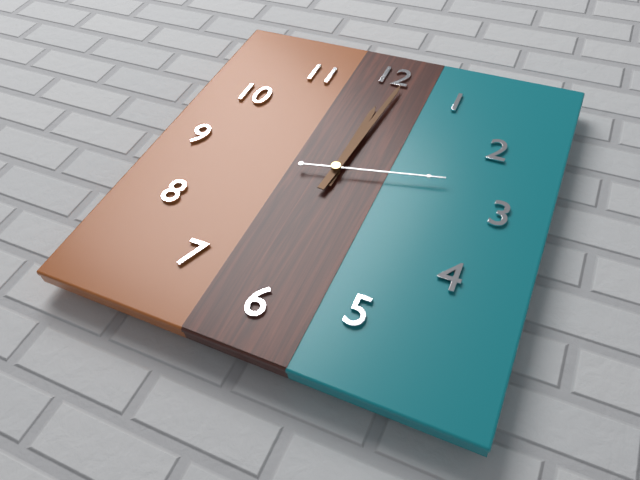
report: 12h01m13s
